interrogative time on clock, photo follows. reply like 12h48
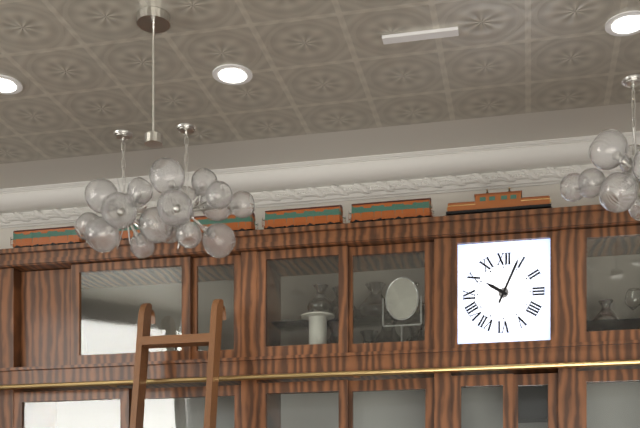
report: 10h04
